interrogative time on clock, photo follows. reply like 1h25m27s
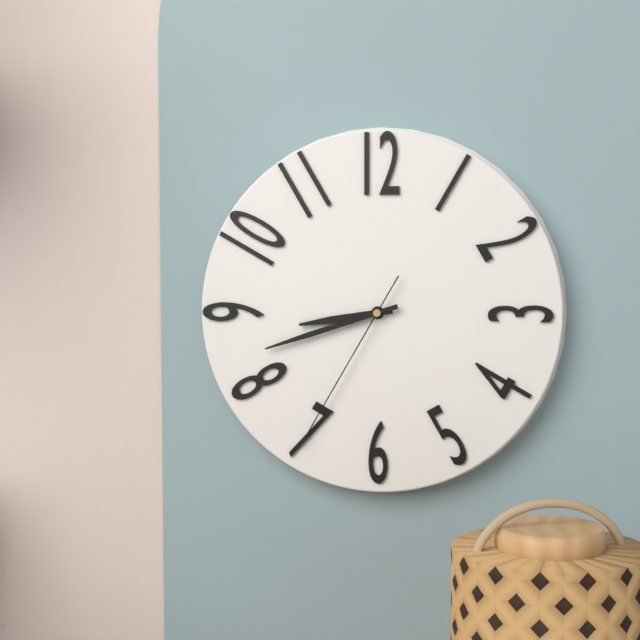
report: 8h42m35s
